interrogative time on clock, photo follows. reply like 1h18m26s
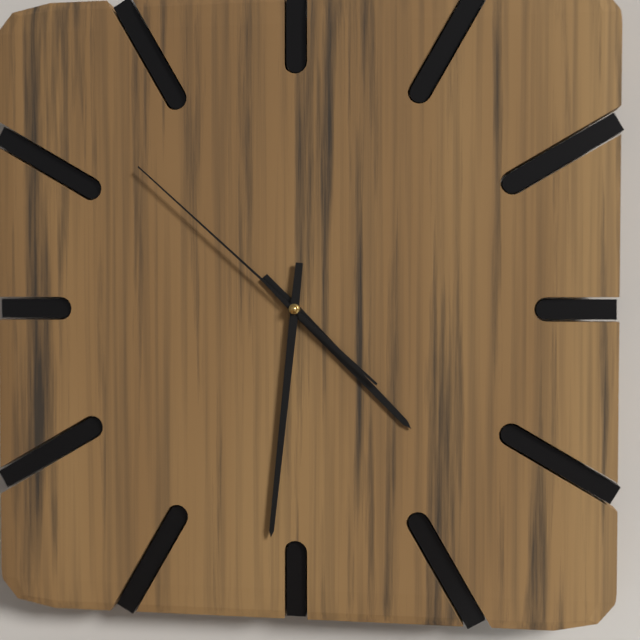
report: 4h31m52s
